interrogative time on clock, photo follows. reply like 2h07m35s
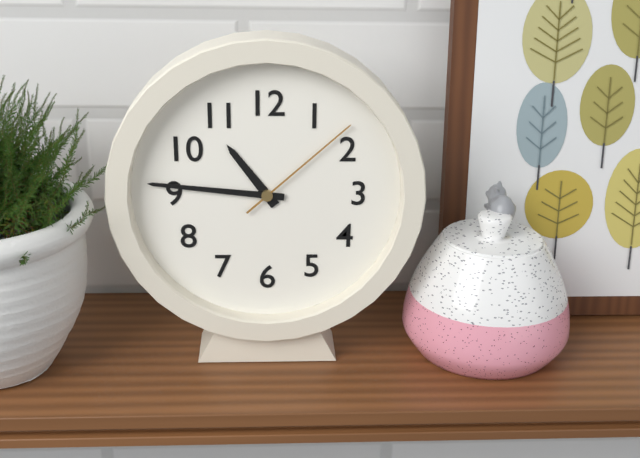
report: 10h46m08s
